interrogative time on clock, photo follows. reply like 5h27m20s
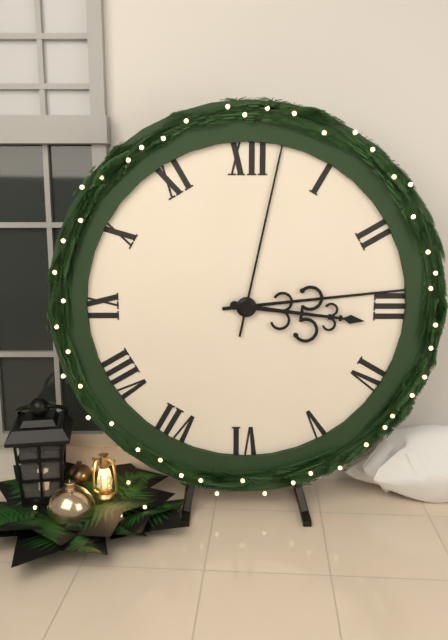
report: 3h14m02s
